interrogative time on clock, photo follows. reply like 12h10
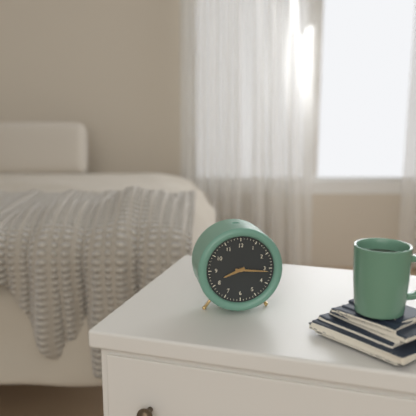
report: 8h16
